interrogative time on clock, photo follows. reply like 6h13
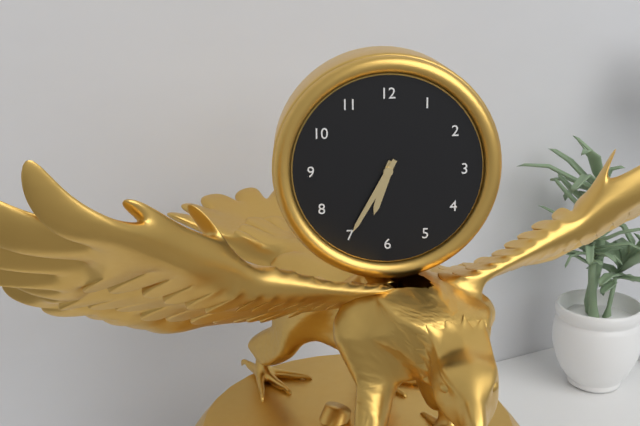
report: 6h35
